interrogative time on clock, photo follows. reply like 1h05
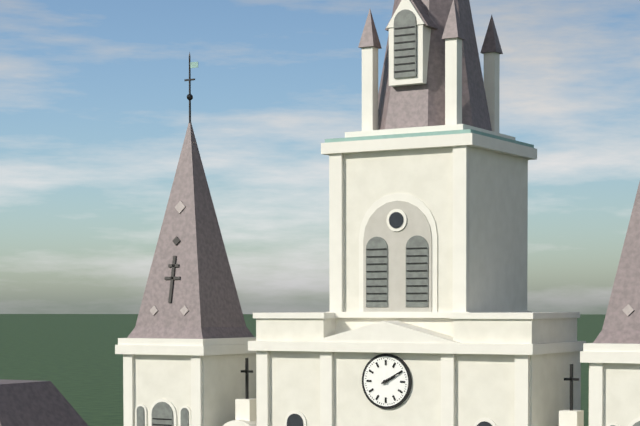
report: 2h10
